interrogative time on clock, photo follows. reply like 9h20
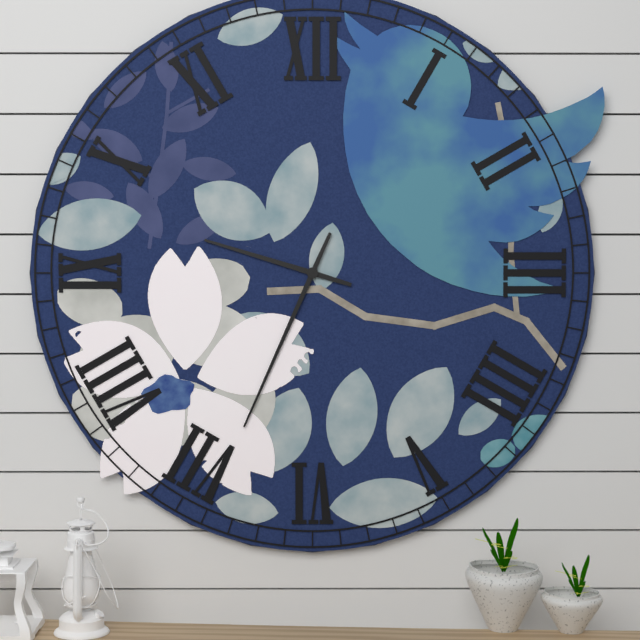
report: 9h34
